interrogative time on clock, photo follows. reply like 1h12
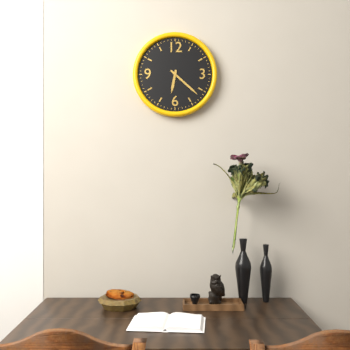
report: 6h22
